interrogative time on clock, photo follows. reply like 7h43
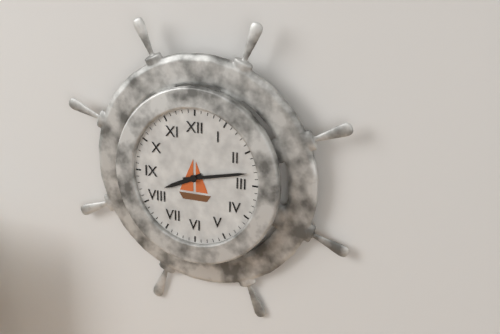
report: 8h13
